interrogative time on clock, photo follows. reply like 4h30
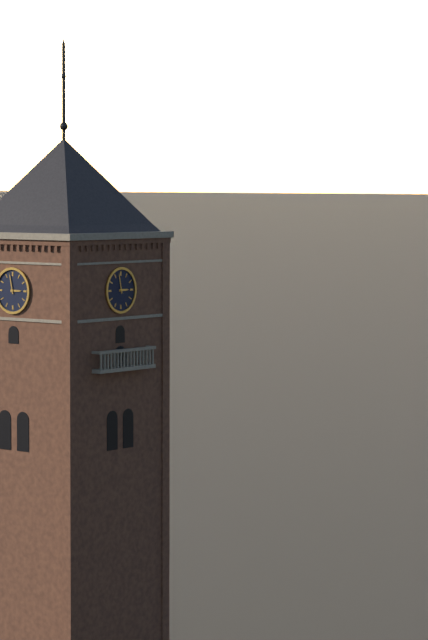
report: 2h58
